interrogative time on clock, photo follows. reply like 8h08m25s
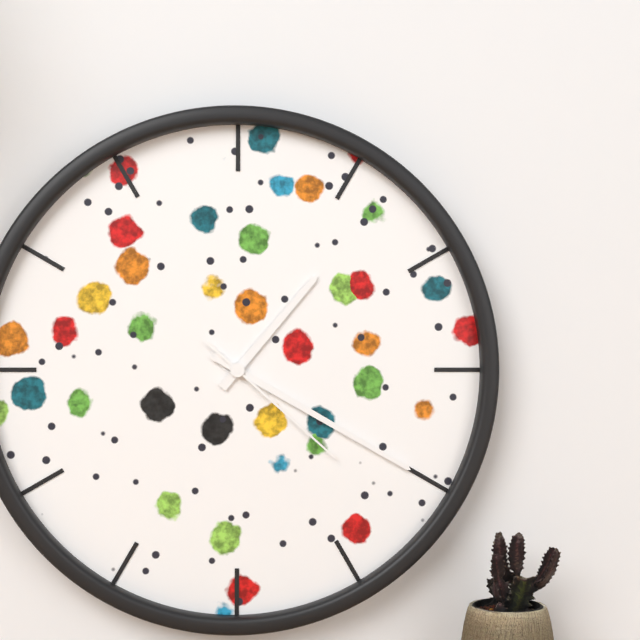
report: 1h20m22s
